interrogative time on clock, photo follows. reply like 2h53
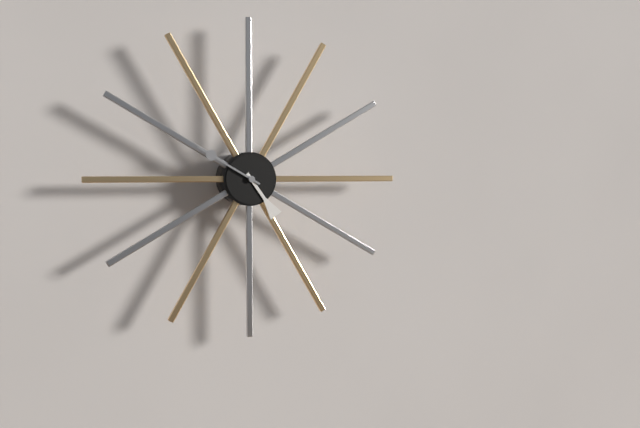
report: 4h50
